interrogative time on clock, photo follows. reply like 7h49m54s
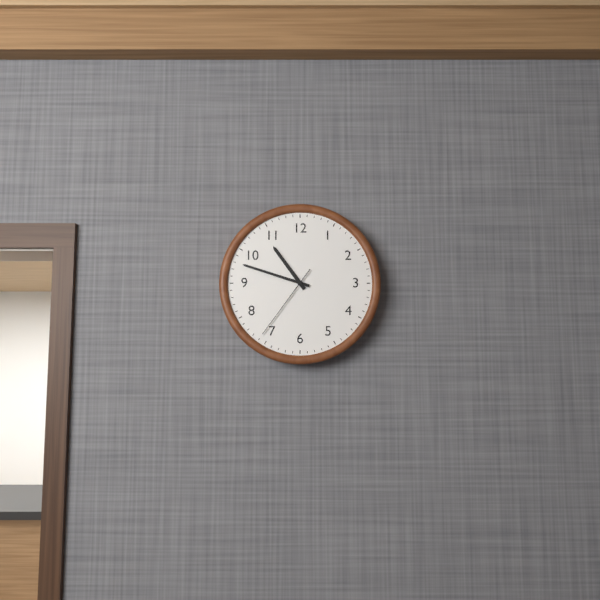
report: 10h48m36s
